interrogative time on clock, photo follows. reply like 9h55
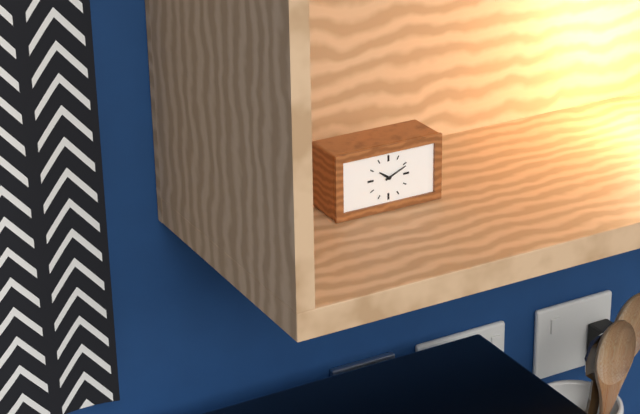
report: 10h11
